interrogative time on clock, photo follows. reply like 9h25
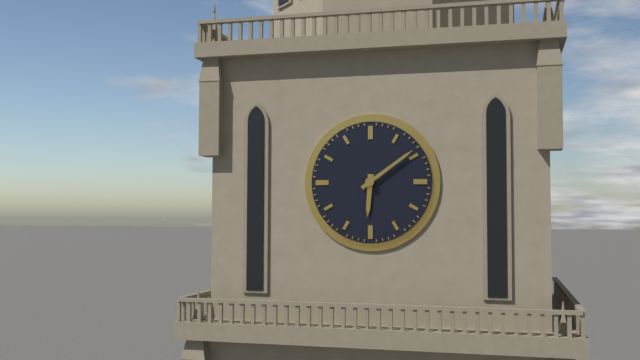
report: 6h09
